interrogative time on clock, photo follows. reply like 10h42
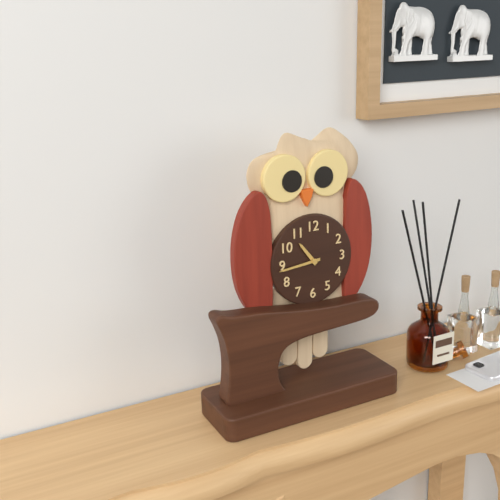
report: 10h44
